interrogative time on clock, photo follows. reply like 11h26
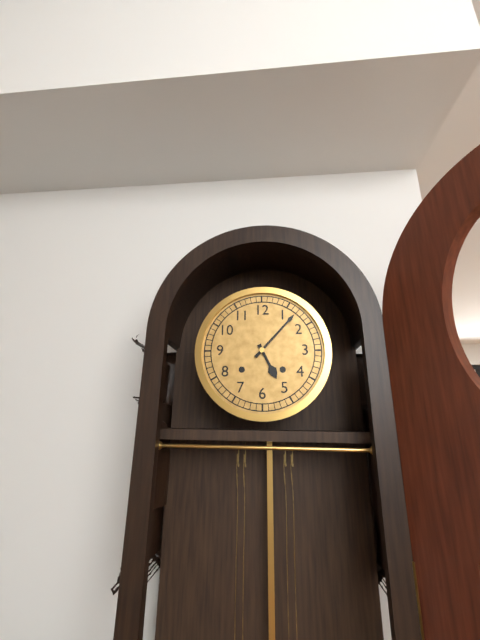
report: 5h07
